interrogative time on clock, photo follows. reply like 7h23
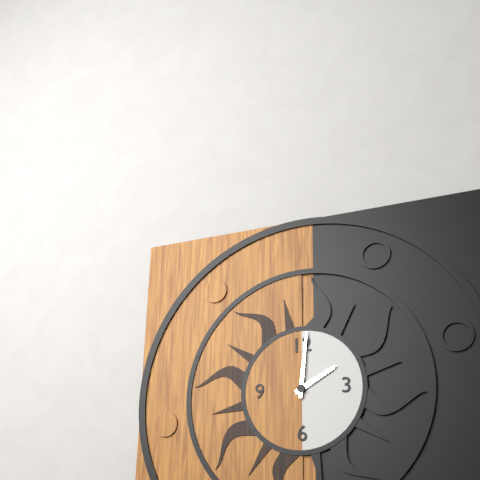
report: 2h01
